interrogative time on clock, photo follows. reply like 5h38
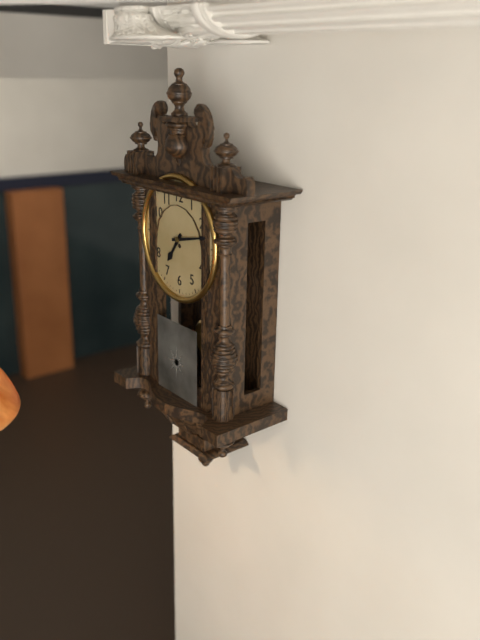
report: 7h13
